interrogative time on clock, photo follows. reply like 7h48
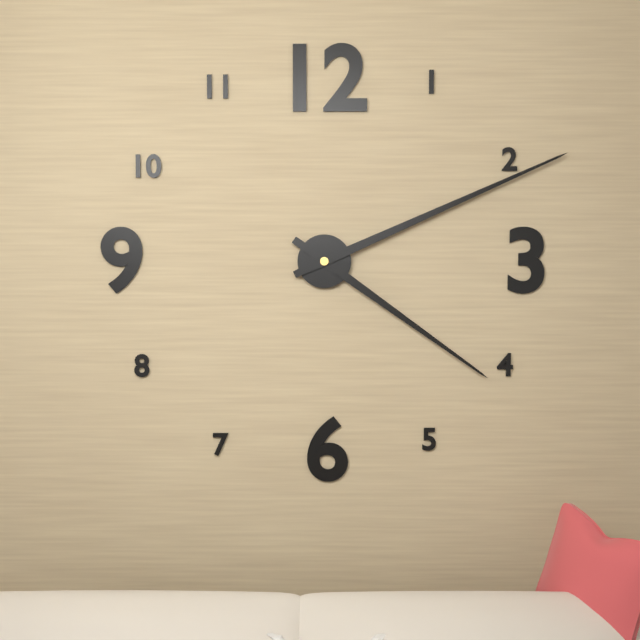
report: 4h11
